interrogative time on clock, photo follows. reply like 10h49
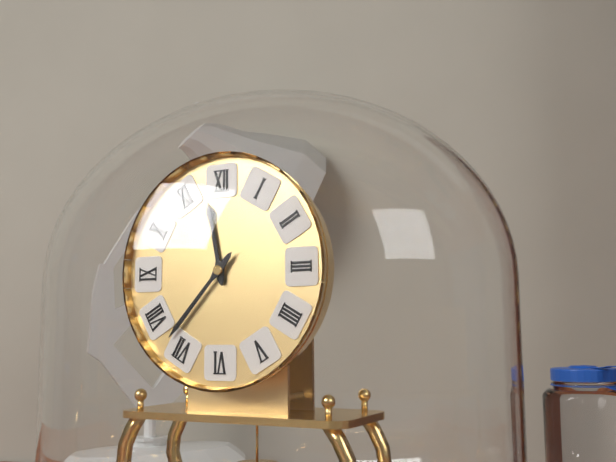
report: 11h37
